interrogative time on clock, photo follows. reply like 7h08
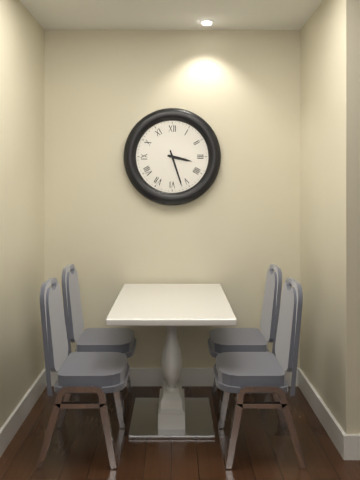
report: 3h27
